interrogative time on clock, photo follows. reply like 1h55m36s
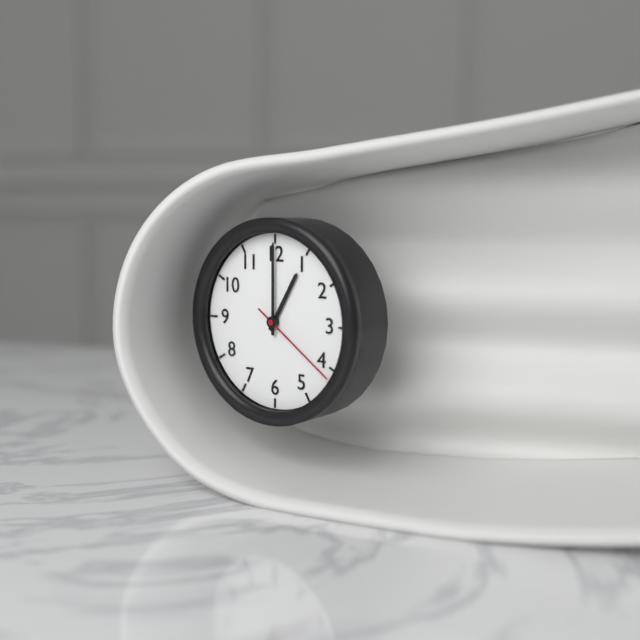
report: 1h00m21s
